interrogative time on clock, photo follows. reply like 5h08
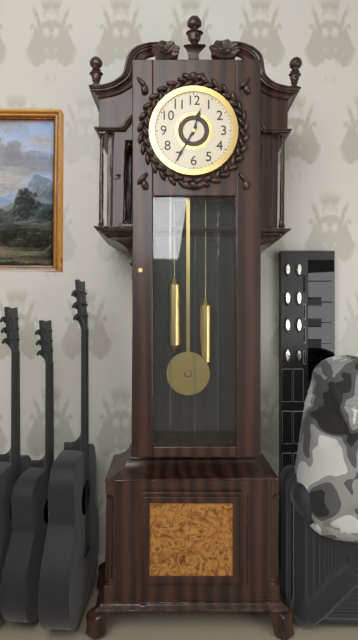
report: 12h35
